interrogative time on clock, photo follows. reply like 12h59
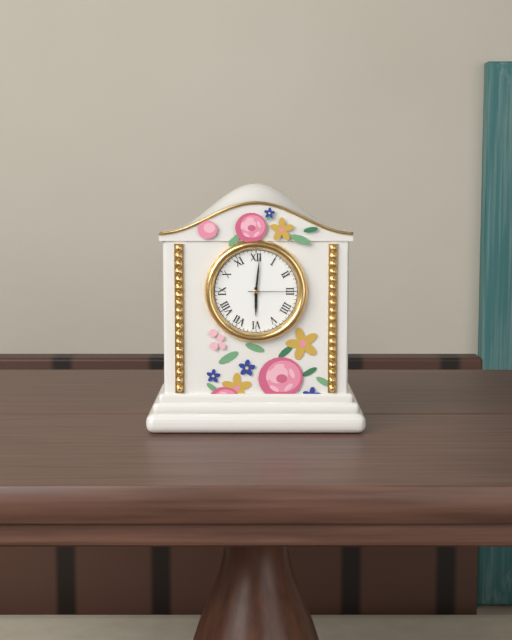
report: 6h01
